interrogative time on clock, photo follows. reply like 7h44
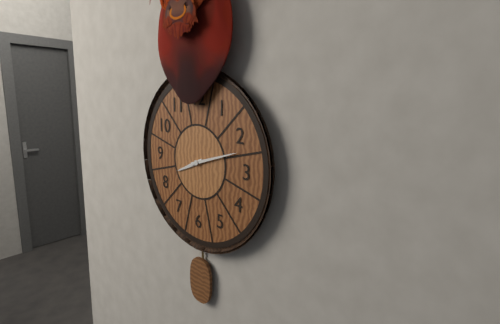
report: 8h12
